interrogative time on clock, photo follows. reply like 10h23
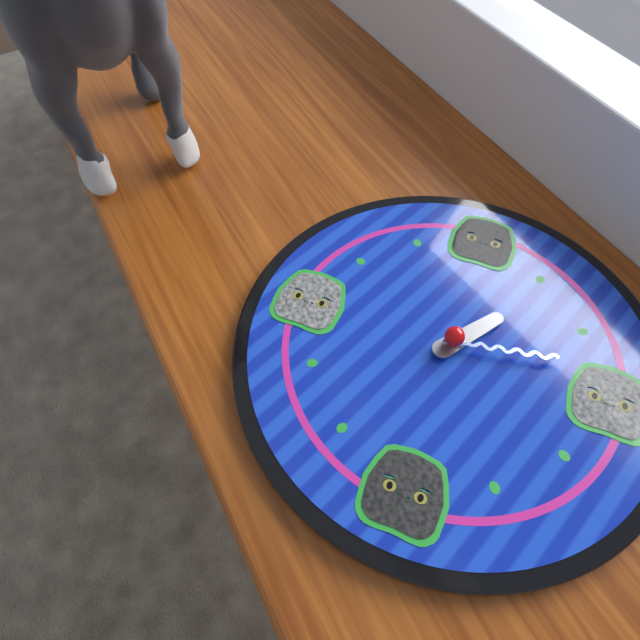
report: 1h13
